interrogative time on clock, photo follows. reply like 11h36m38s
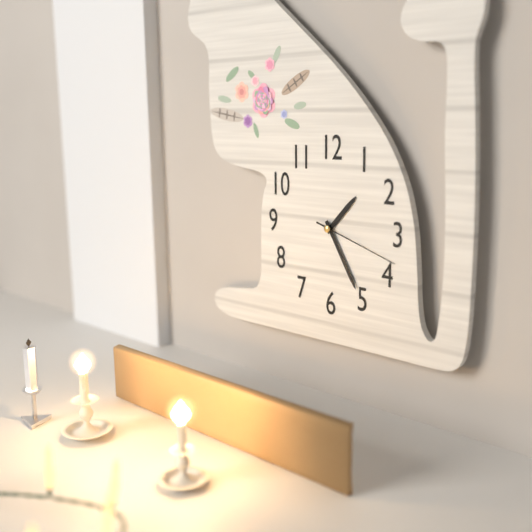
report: 1h25m18s
